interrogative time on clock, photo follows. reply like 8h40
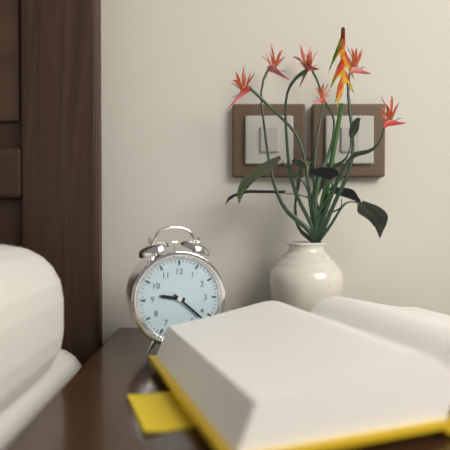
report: 9h22
